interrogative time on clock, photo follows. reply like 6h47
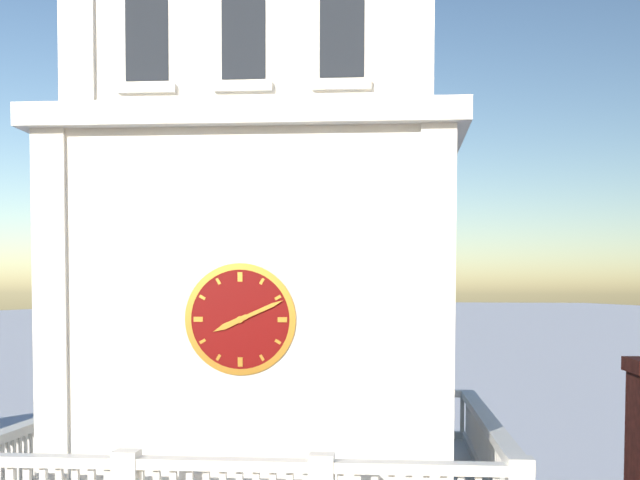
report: 8h11
